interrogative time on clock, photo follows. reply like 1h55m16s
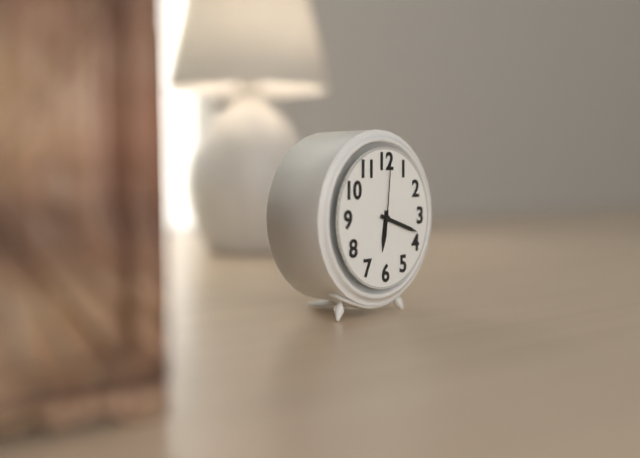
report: 6h18m01s
